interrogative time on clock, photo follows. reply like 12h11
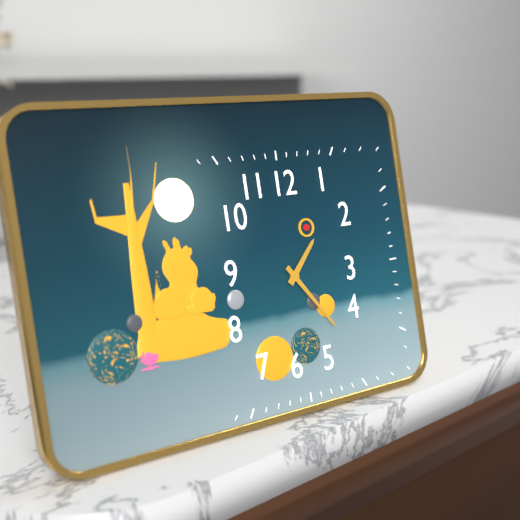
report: 1h24
